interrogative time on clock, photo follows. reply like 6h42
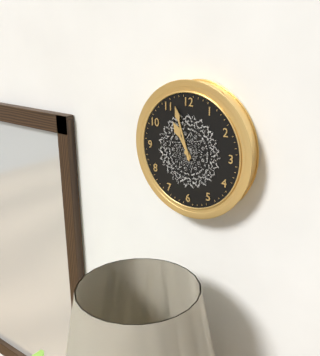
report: 10h57
